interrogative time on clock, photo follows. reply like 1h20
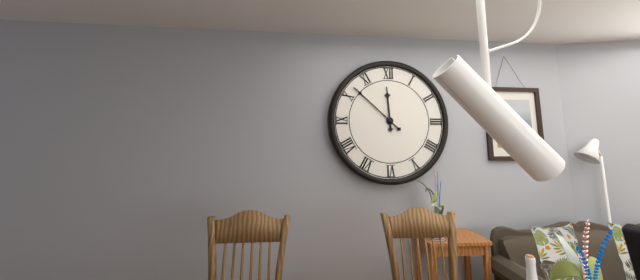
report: 11h52
